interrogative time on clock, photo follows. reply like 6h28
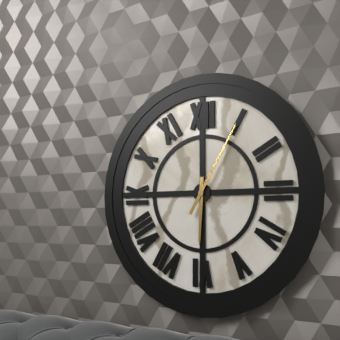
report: 6h05
